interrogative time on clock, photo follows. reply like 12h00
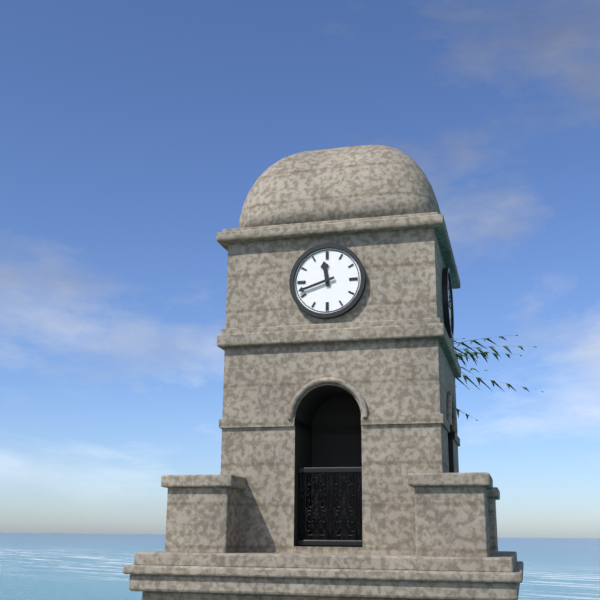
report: 11h42
